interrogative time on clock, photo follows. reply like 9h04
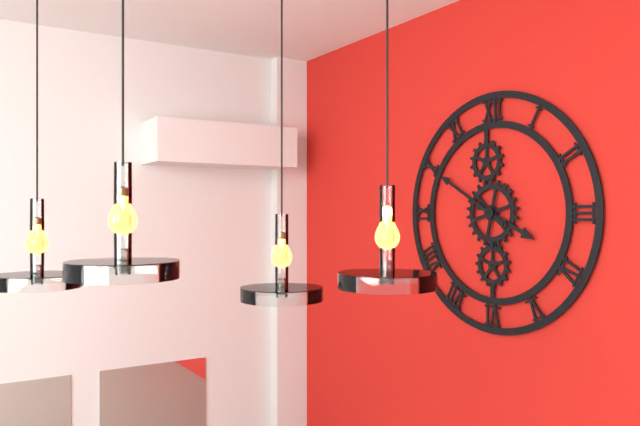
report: 3h50
